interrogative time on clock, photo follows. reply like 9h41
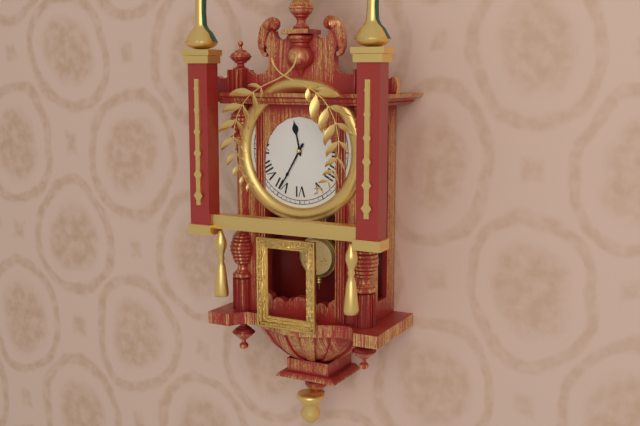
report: 11h35
